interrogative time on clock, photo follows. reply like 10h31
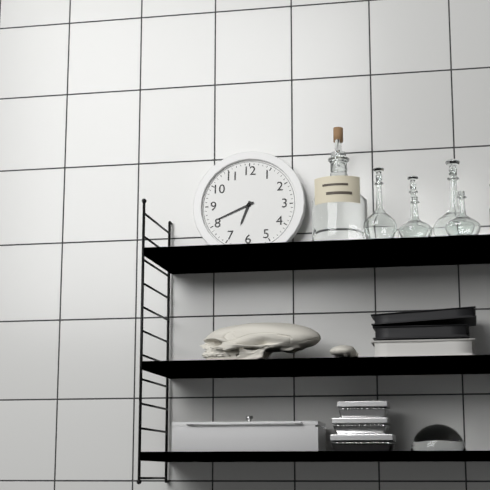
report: 6h41
